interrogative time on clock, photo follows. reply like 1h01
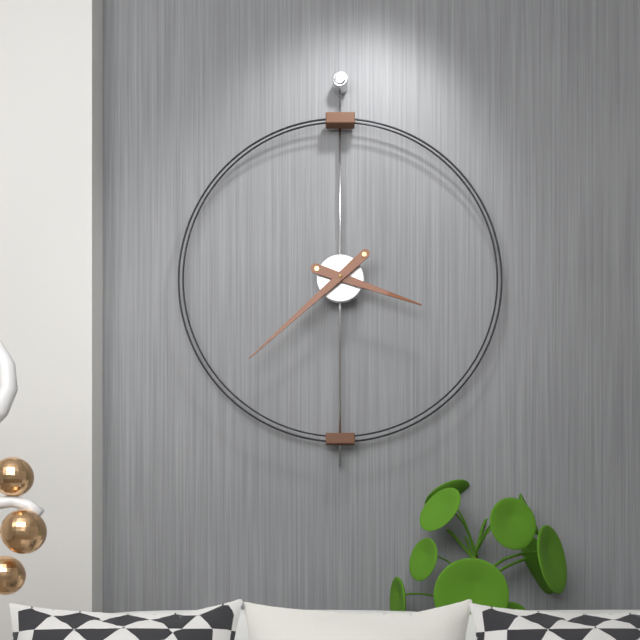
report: 3h38
